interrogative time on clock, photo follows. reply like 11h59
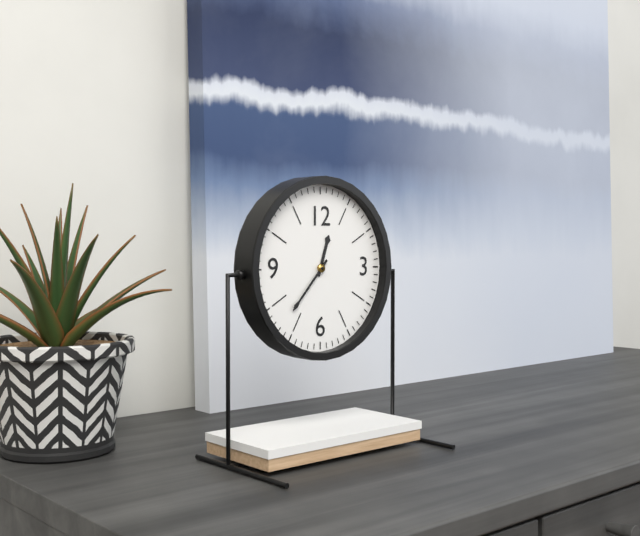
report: 12h37
